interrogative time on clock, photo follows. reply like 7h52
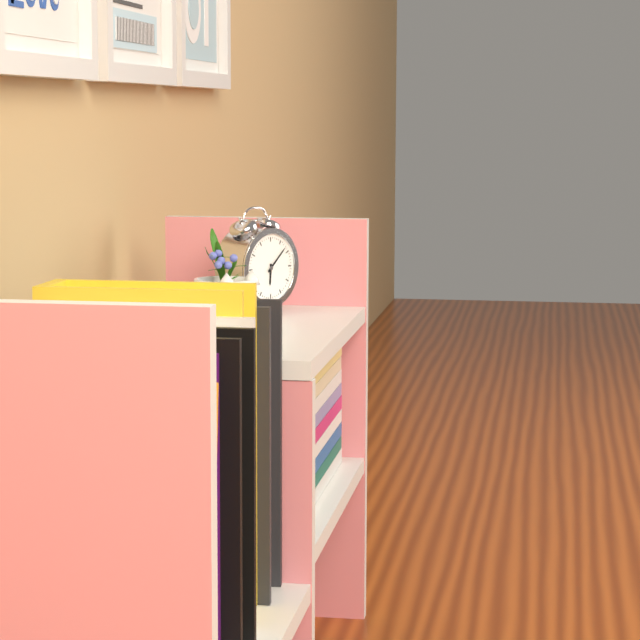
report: 6h08
